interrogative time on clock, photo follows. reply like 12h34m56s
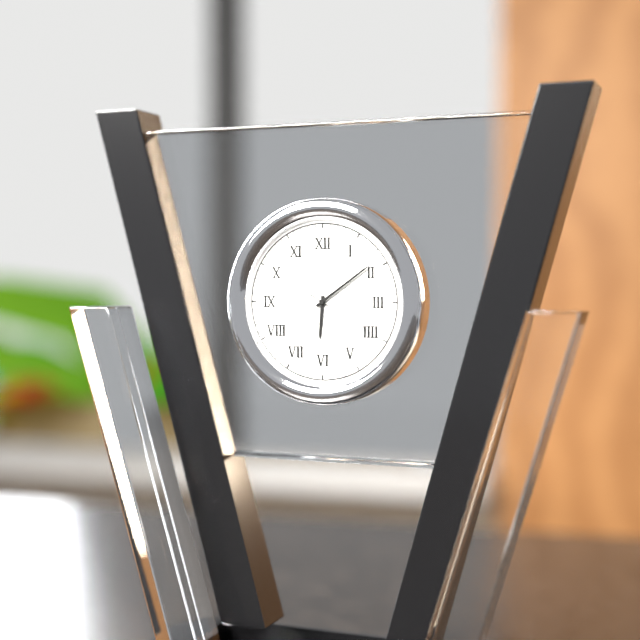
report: 6h09m20s
